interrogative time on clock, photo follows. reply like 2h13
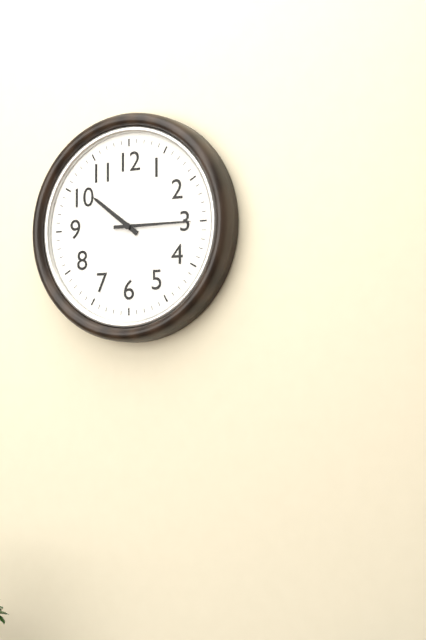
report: 10h15
